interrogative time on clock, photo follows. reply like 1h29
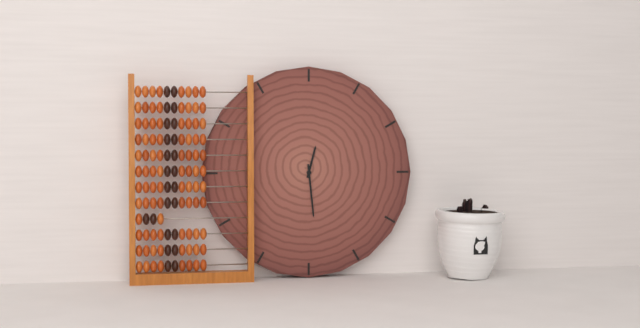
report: 12h29
